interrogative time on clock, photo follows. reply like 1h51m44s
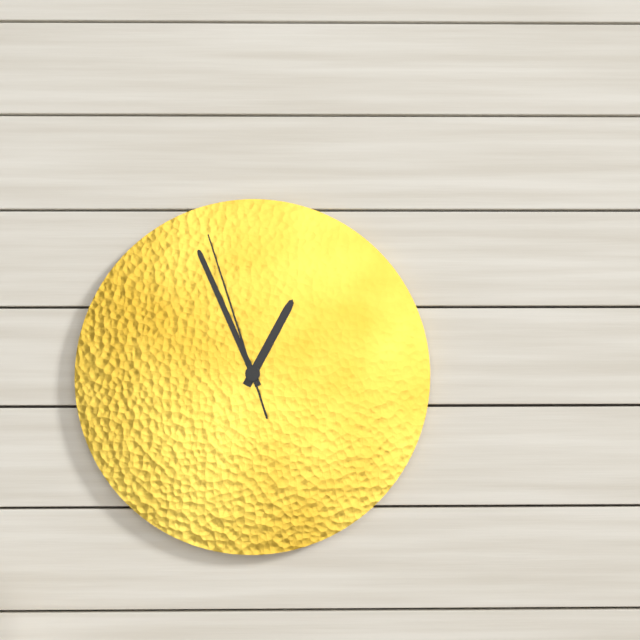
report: 12h56m57s
